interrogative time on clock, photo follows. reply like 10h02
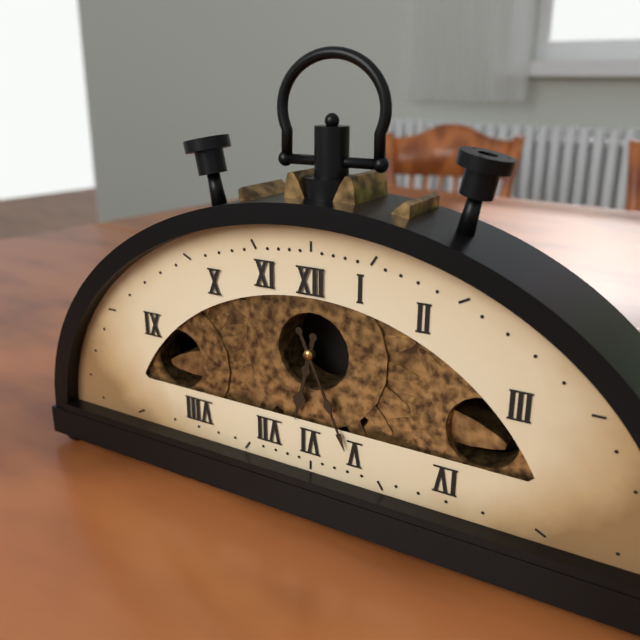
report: 6h26
